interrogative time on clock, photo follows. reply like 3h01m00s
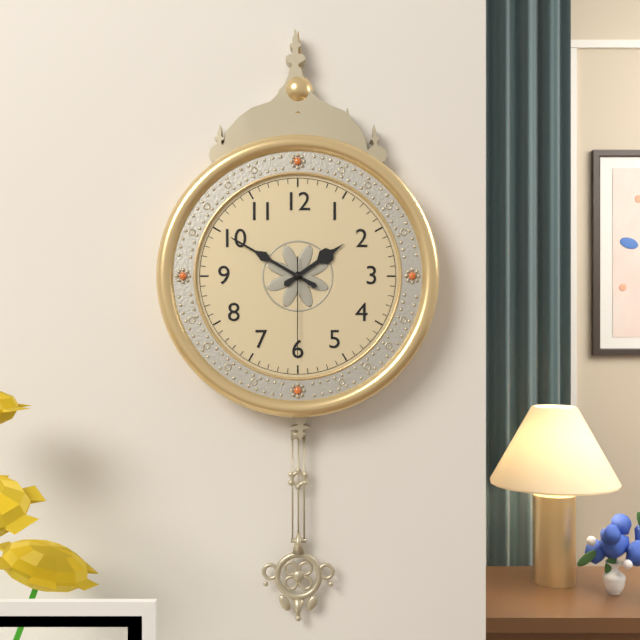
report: 1h50m30s
